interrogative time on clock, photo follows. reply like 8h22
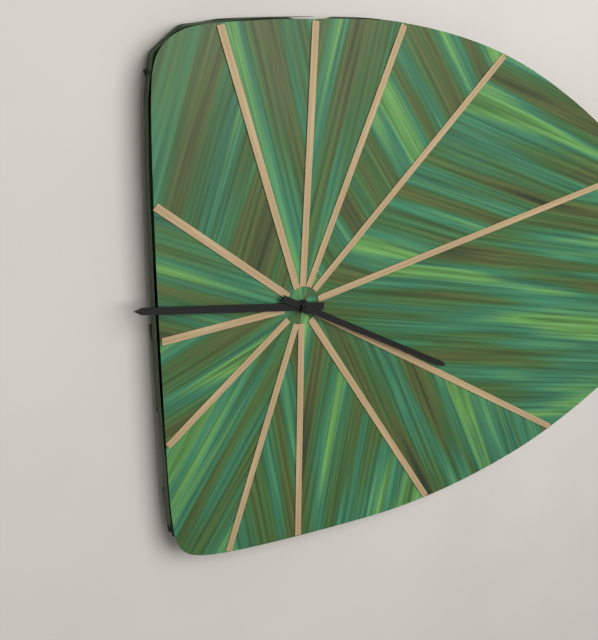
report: 9h20
